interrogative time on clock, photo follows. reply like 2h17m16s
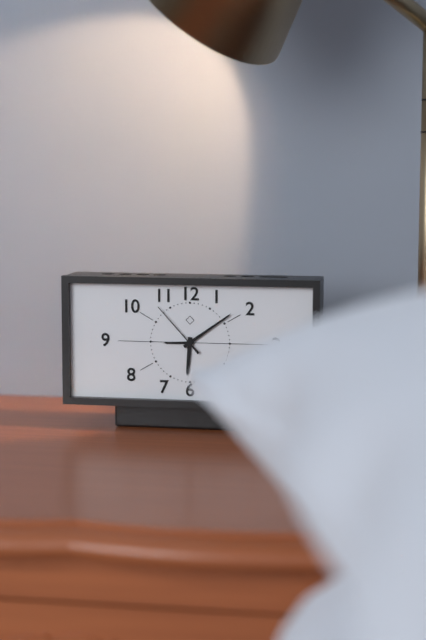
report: 6h09m53s
